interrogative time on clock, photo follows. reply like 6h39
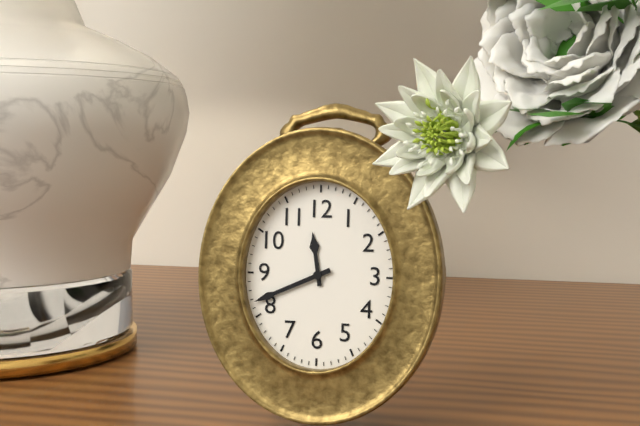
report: 11h41
